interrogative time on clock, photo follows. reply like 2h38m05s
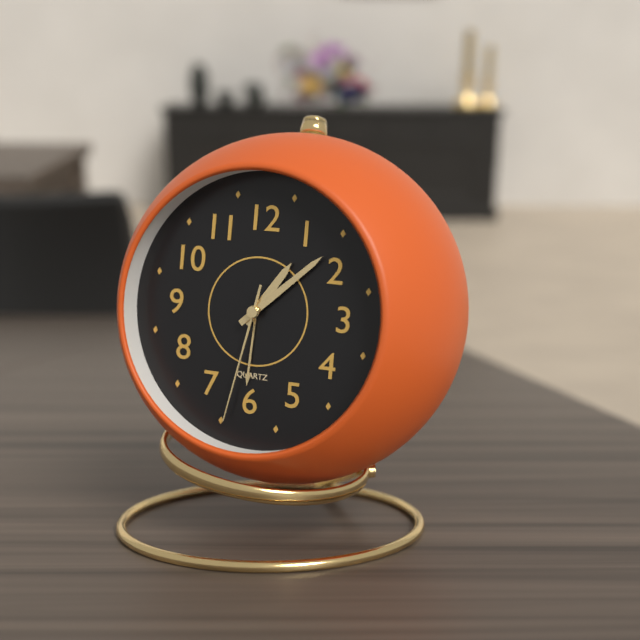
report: 1h08m32s
